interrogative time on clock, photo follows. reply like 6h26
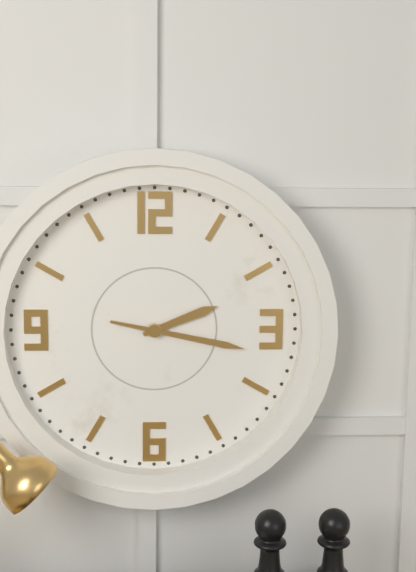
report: 2h17
